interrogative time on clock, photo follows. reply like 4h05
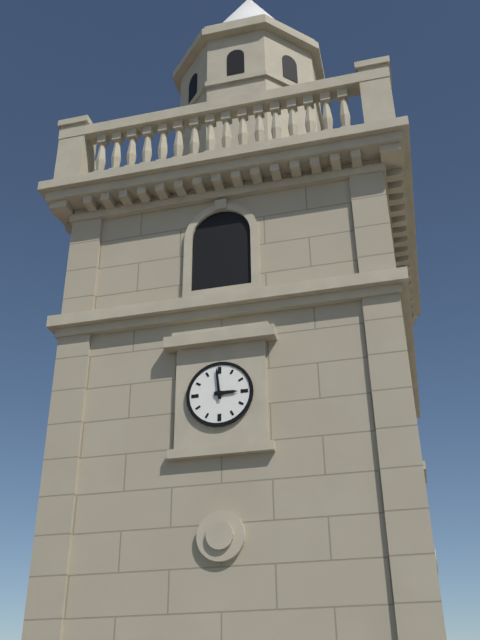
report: 2h59
